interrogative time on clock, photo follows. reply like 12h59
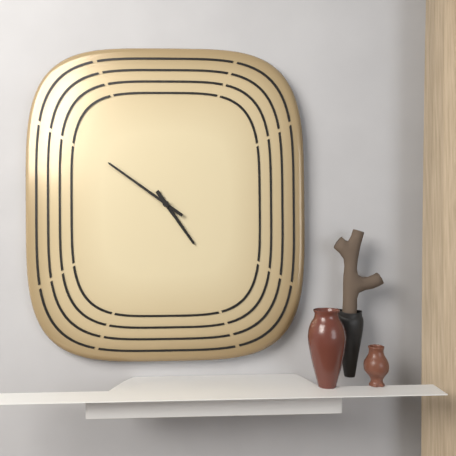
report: 4h51
